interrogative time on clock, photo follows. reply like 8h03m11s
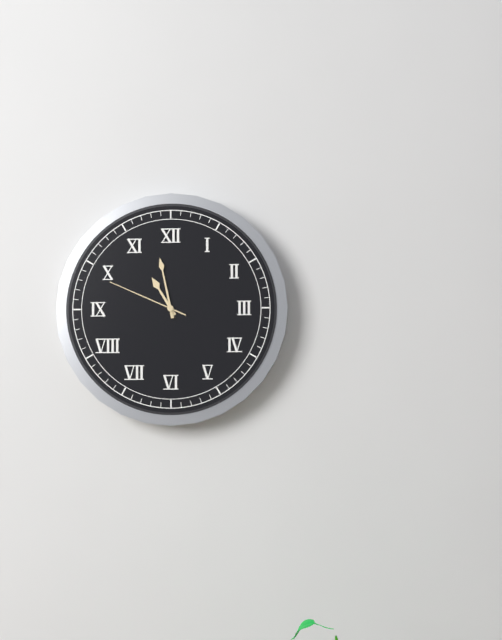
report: 10h58m49s
